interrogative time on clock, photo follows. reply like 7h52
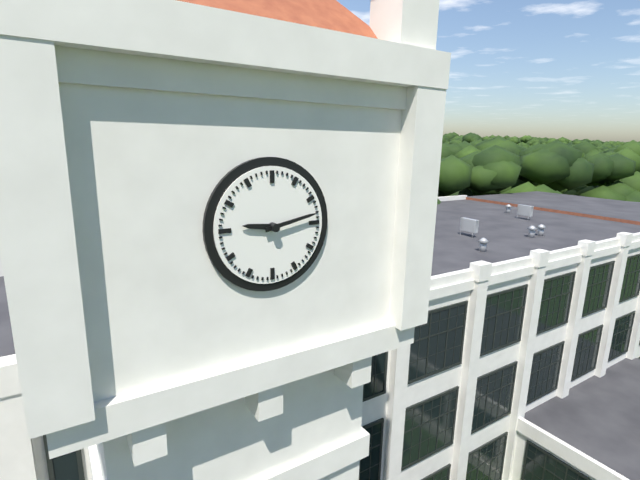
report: 9h13
